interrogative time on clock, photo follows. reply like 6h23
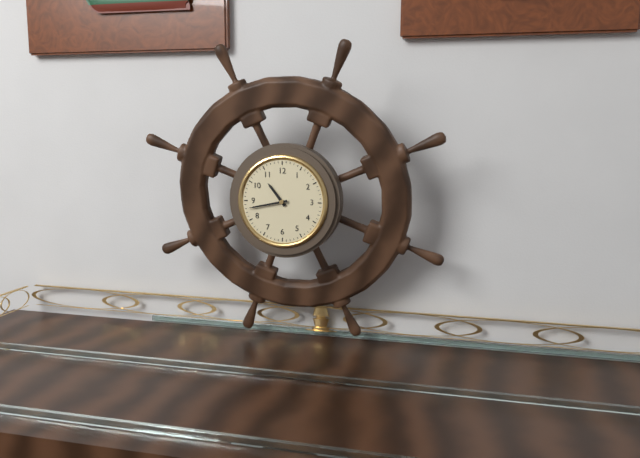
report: 10h43
